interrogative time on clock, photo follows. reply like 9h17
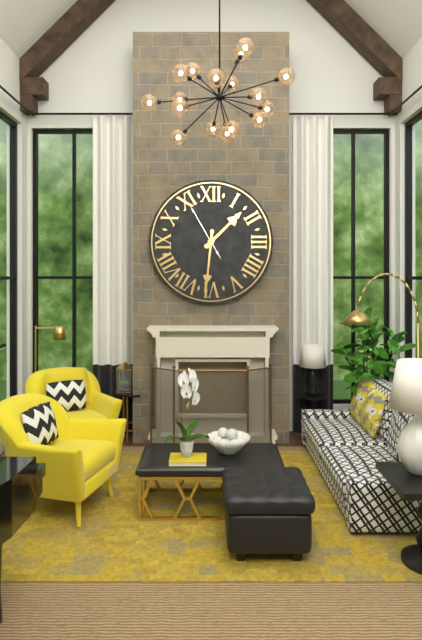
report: 1h31
